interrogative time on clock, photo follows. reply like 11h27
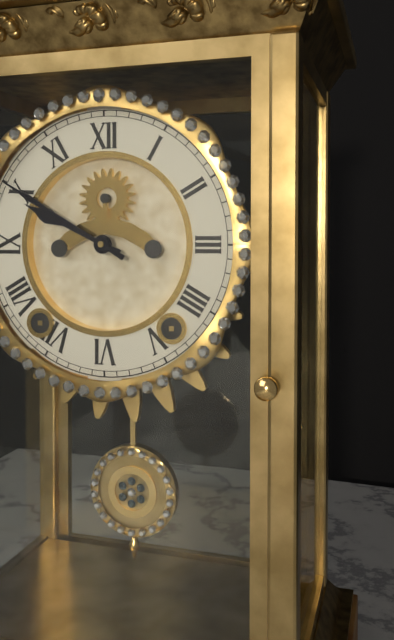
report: 9h50
